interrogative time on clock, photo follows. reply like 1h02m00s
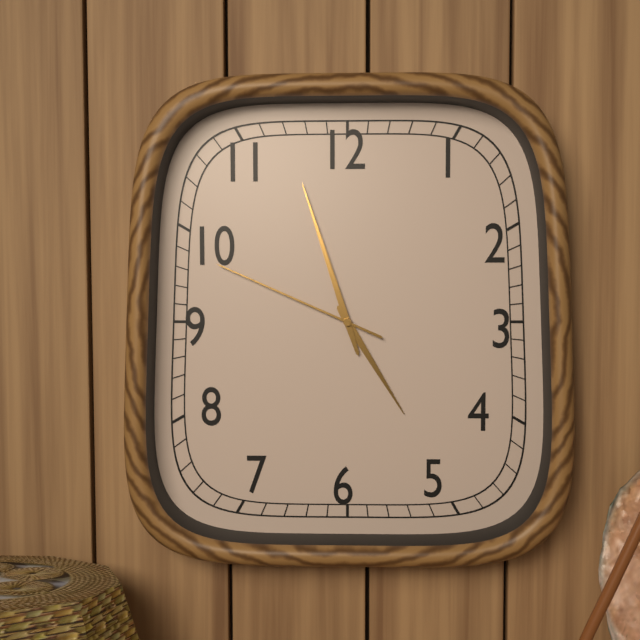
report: 4h57m49s
